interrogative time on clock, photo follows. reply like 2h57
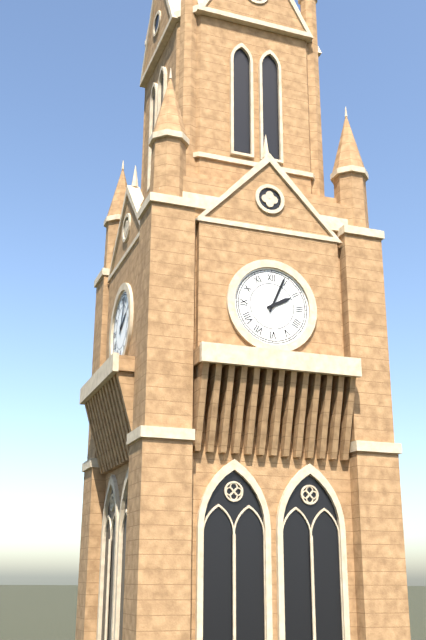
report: 2h04
